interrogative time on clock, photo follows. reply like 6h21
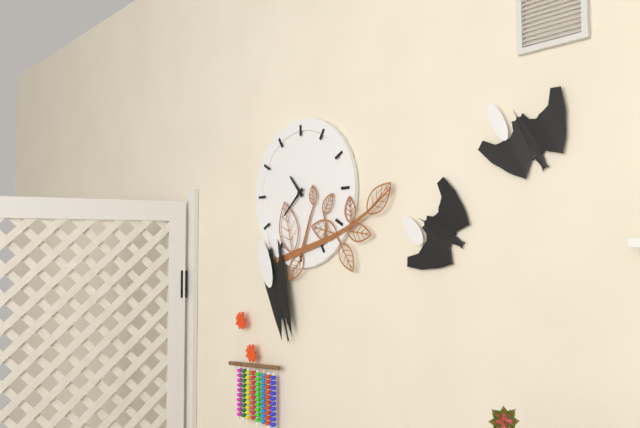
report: 10h38
